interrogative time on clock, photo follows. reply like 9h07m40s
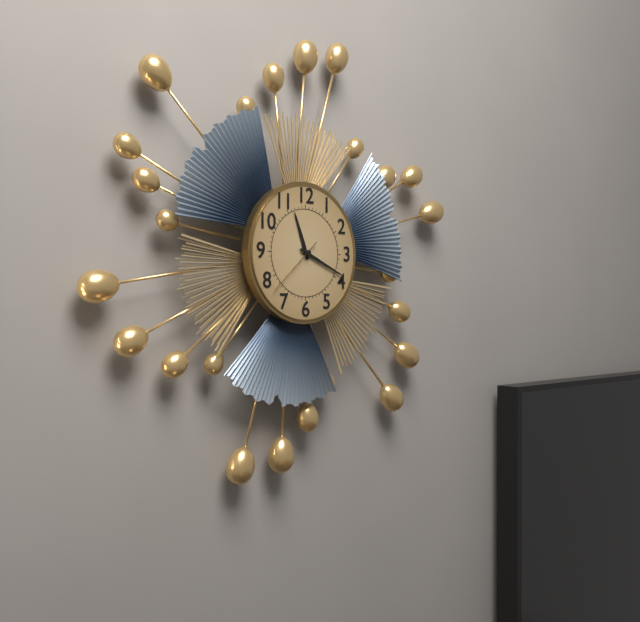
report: 11h19m38s
